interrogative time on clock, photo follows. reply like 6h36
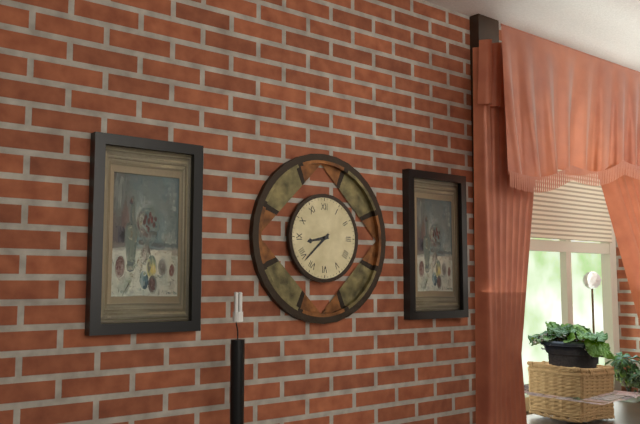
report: 8h38
